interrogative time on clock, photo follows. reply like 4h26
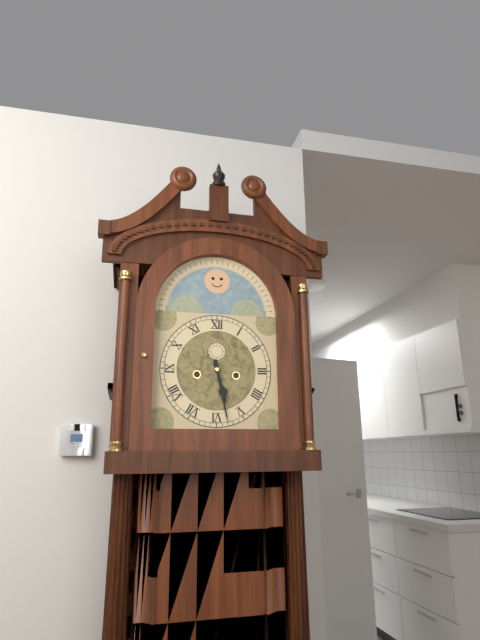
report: 5h28
